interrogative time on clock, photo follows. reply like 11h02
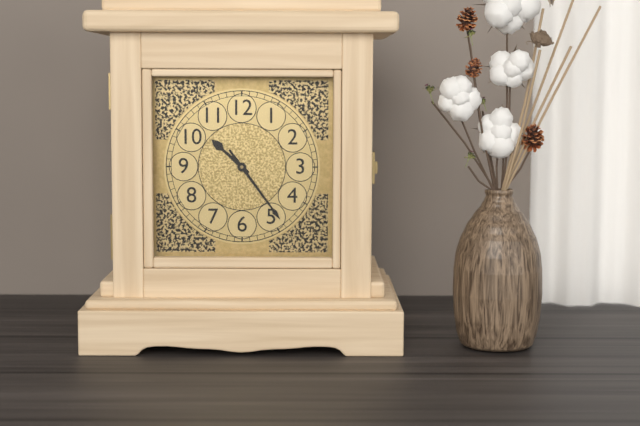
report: 10h24
